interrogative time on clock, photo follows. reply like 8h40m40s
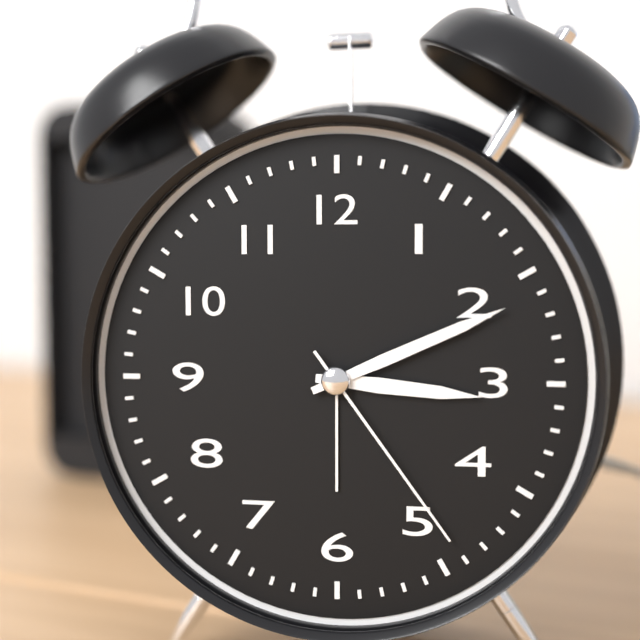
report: 3h11m24s
